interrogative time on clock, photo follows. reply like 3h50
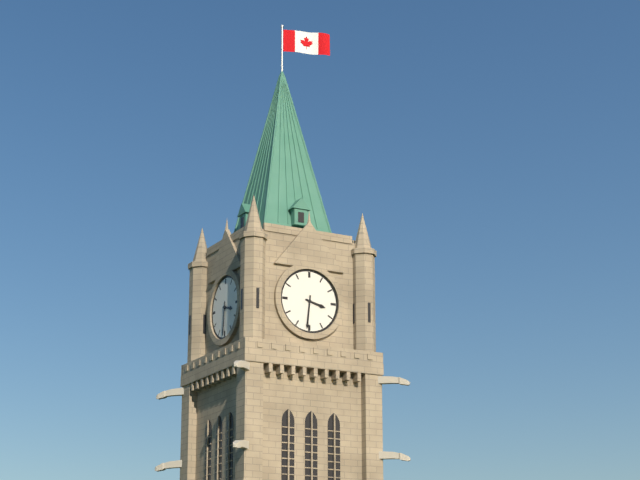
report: 3h31
